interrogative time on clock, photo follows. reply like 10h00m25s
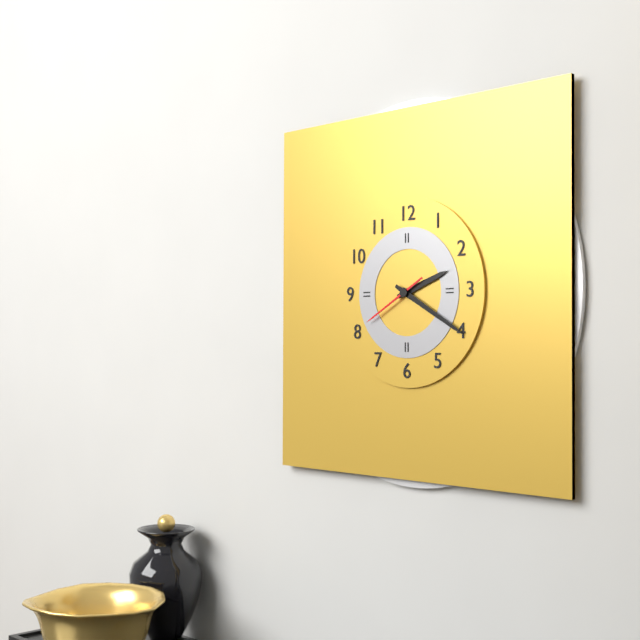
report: 2h20m40s
